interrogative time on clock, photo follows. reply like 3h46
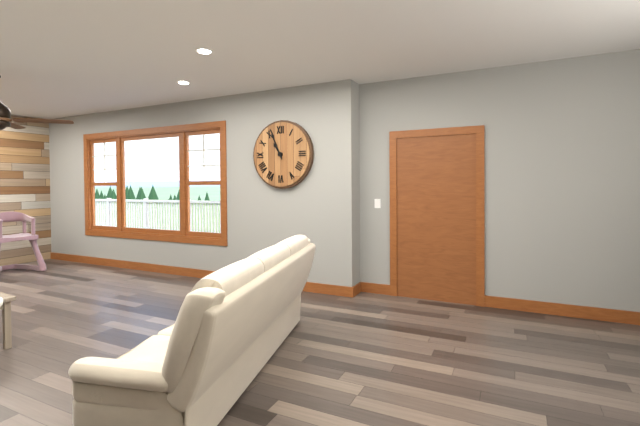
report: 10h56
